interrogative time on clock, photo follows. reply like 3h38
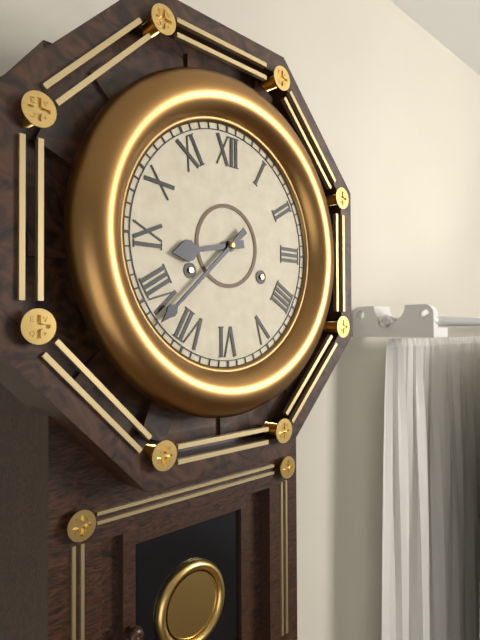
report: 8h38
